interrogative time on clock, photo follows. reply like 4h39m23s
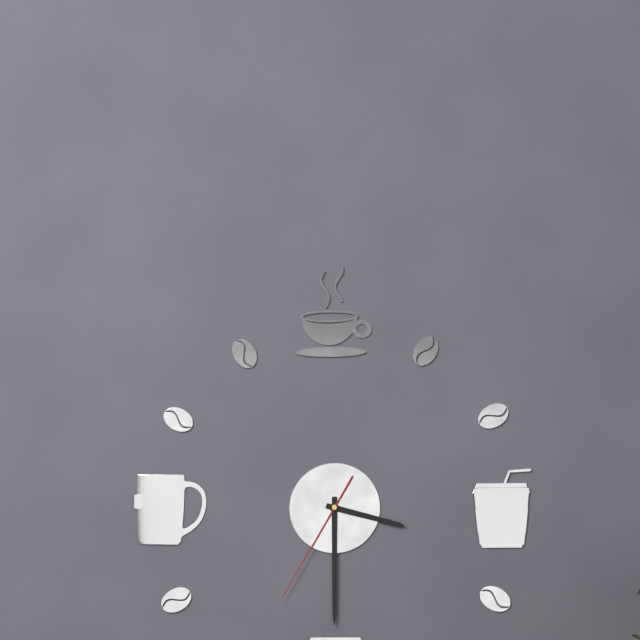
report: 3h30m35s
